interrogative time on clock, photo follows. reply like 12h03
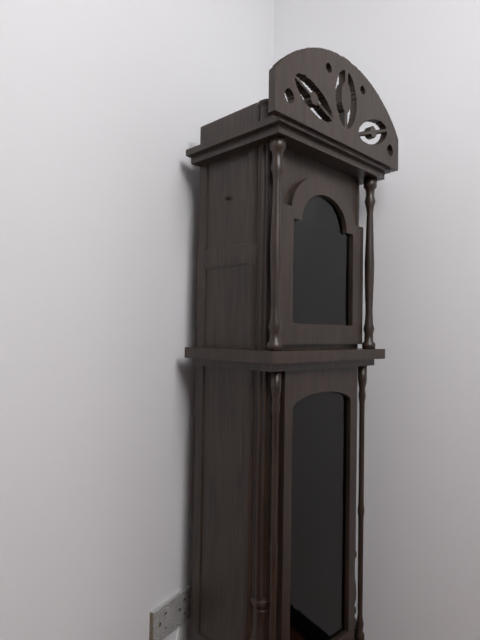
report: 12h25
